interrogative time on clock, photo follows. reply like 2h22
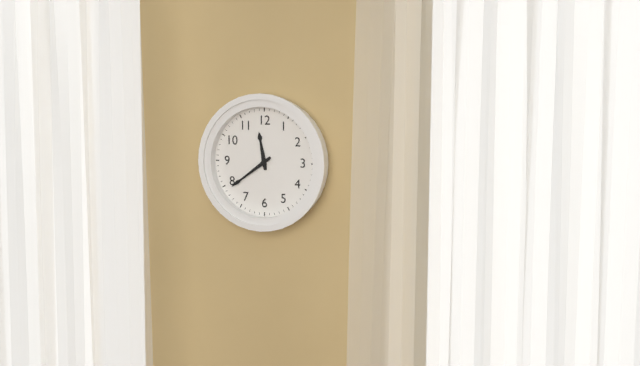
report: 11h39
